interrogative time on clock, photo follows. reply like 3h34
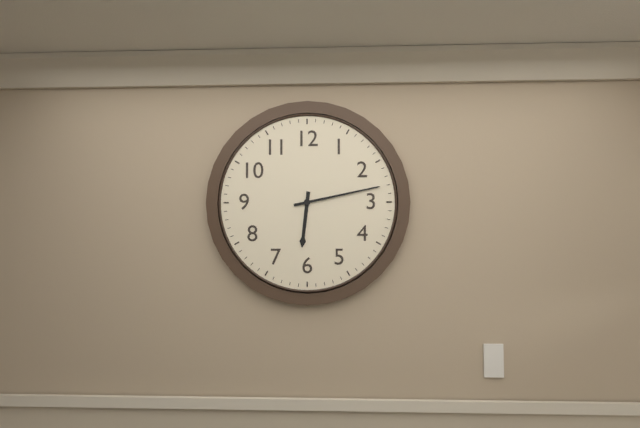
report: 6h13
